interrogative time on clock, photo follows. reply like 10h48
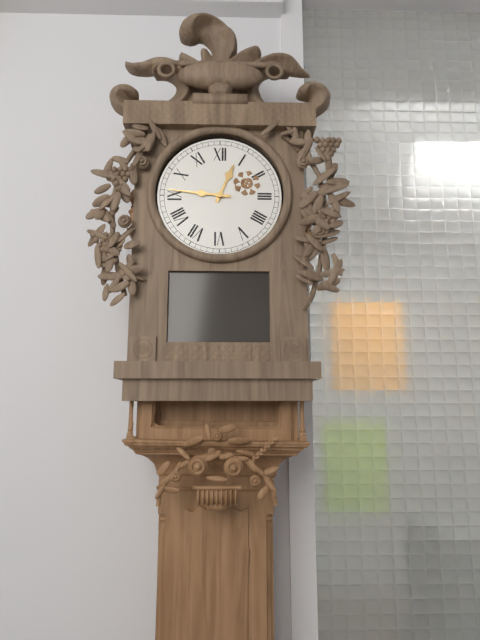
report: 12h46
